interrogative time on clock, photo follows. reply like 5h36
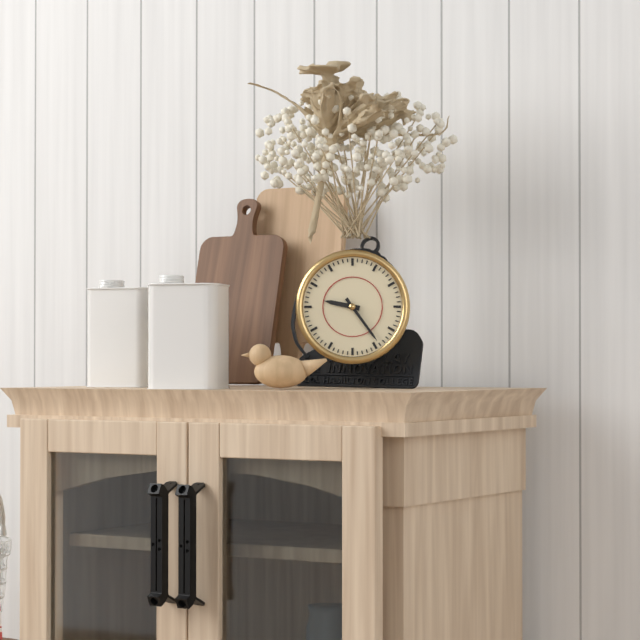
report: 9h24
